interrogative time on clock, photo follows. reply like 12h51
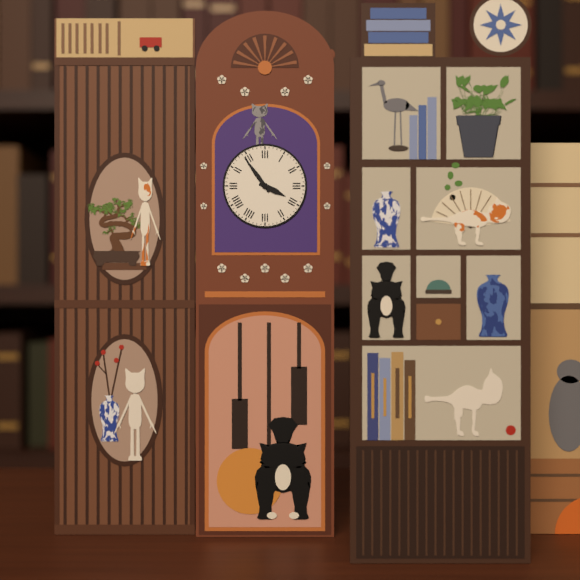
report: 3h54
